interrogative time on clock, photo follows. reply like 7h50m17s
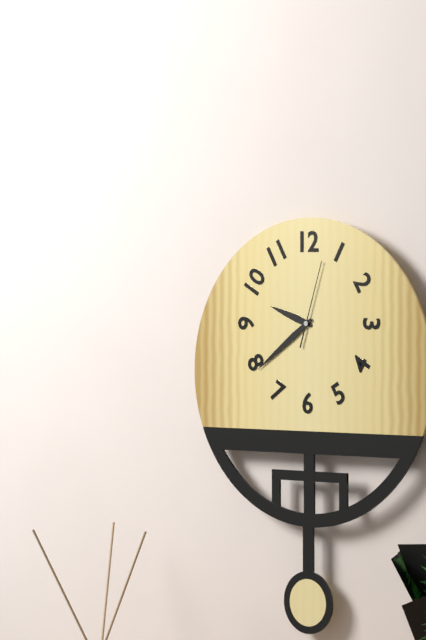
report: 9h39m03s
